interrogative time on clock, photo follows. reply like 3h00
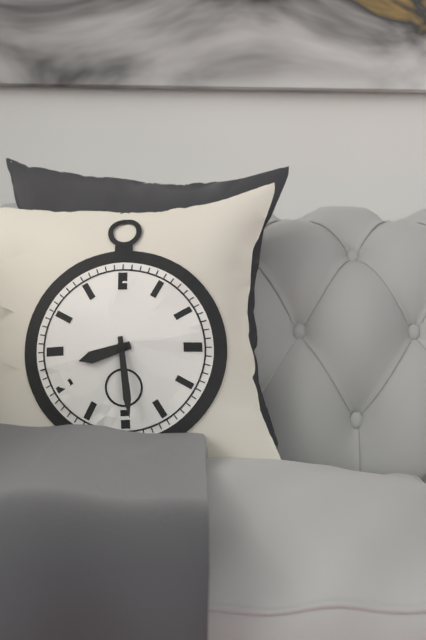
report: 8h29
